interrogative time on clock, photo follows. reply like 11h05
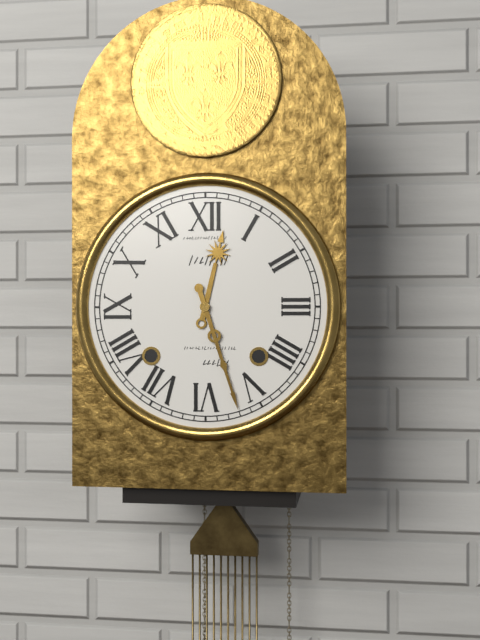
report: 12h27
